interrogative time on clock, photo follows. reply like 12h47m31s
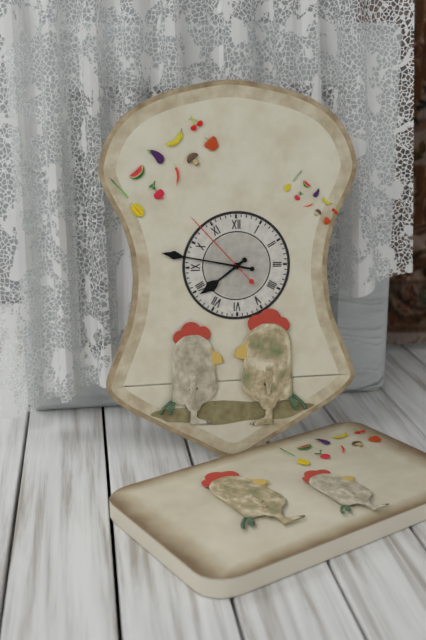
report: 7h47m53s
